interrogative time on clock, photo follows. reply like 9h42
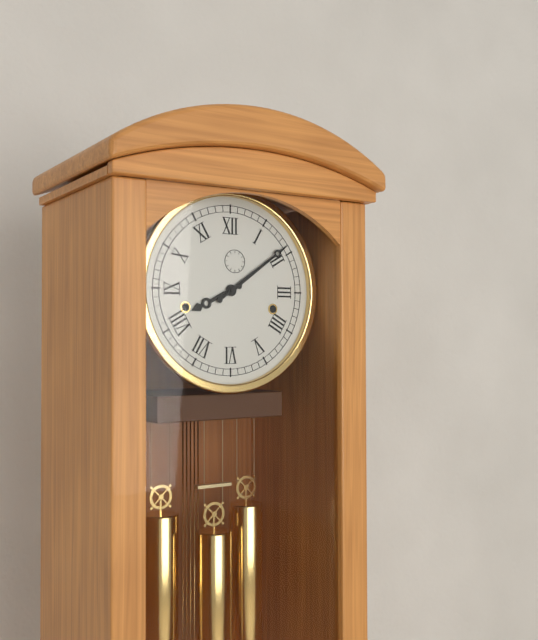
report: 8h09
